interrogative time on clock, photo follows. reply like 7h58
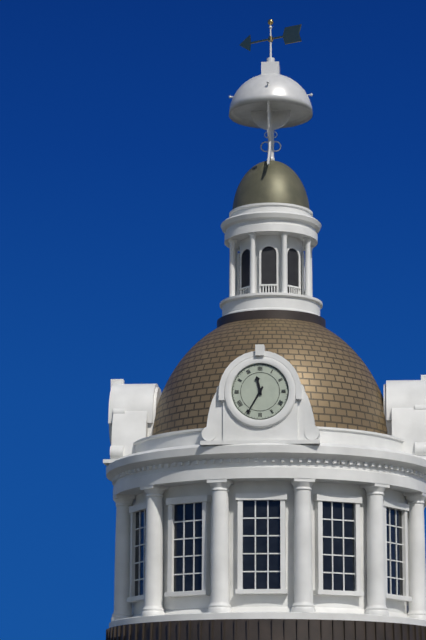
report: 11h35
